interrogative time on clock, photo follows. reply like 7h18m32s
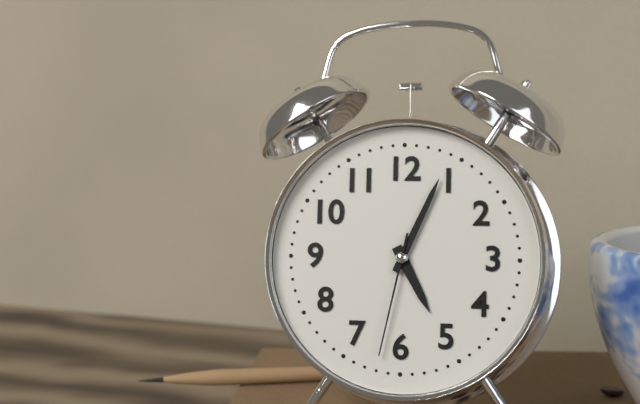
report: 5h04m32s
